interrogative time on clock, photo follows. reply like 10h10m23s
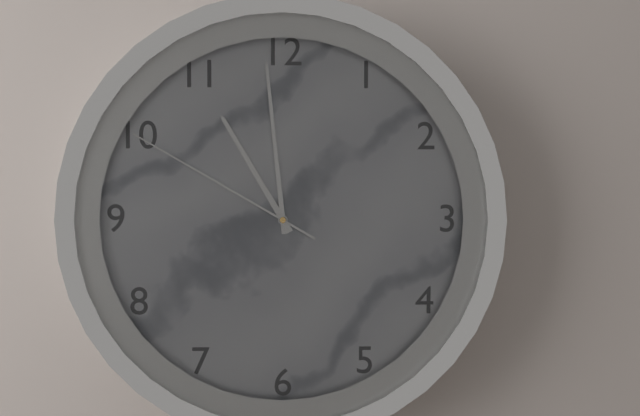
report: 10h59m50s
